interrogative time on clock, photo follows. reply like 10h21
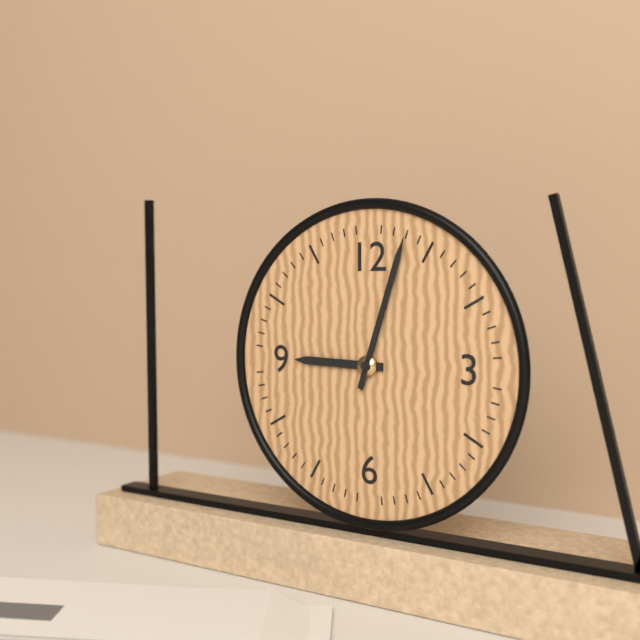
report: 9h03
